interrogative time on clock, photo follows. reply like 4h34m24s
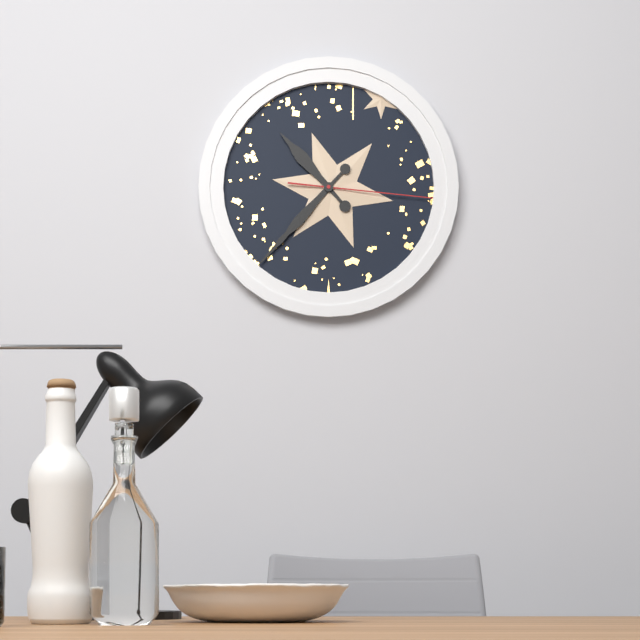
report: 10h37m16s
